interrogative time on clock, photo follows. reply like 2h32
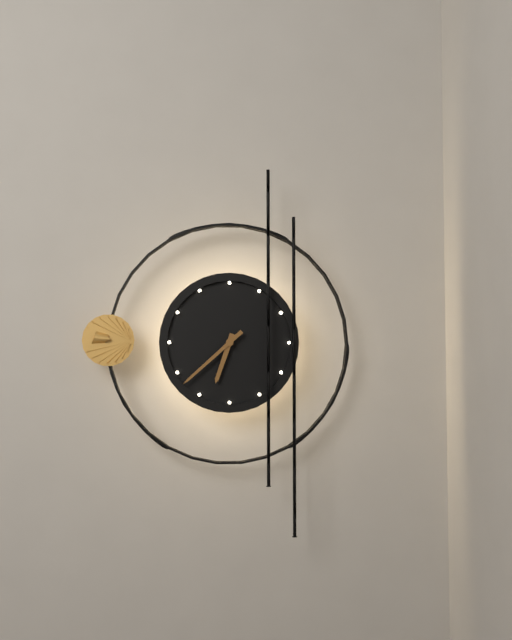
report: 6h38
